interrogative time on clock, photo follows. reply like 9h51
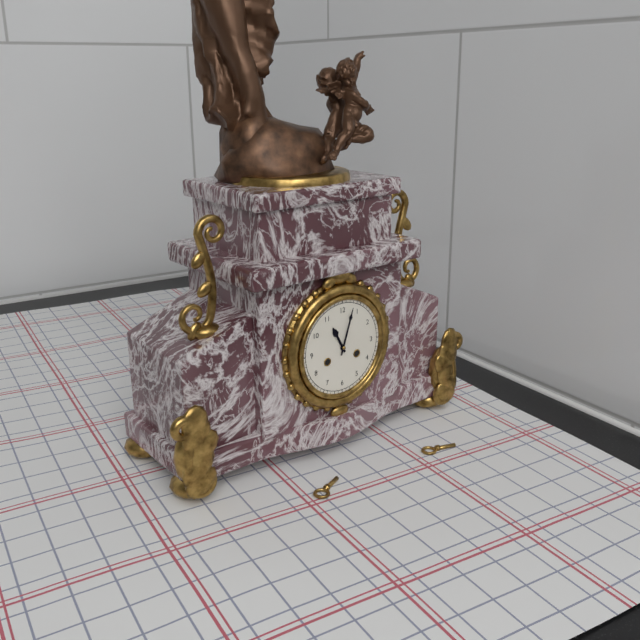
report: 11h03
